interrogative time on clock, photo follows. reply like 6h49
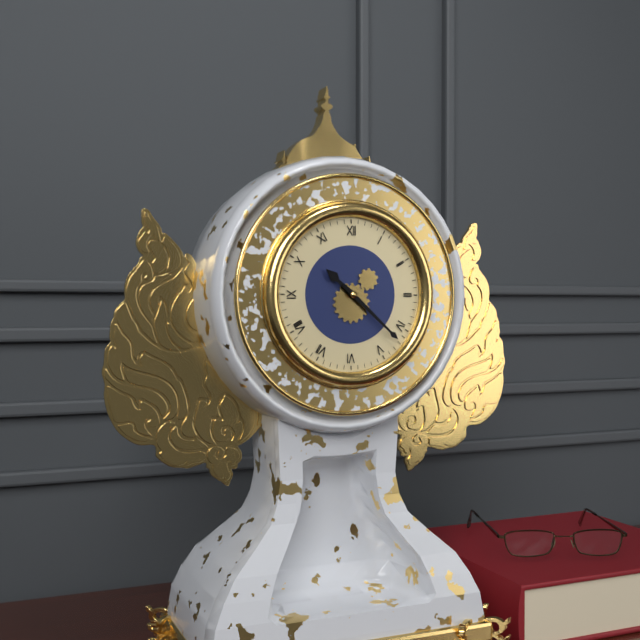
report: 10h22
